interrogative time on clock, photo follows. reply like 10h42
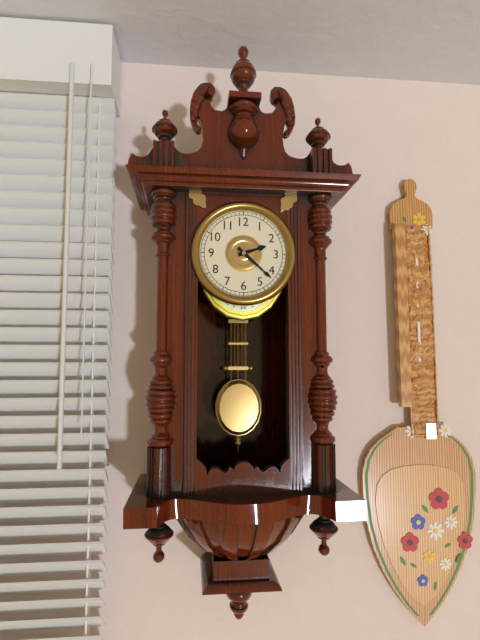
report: 2h22
